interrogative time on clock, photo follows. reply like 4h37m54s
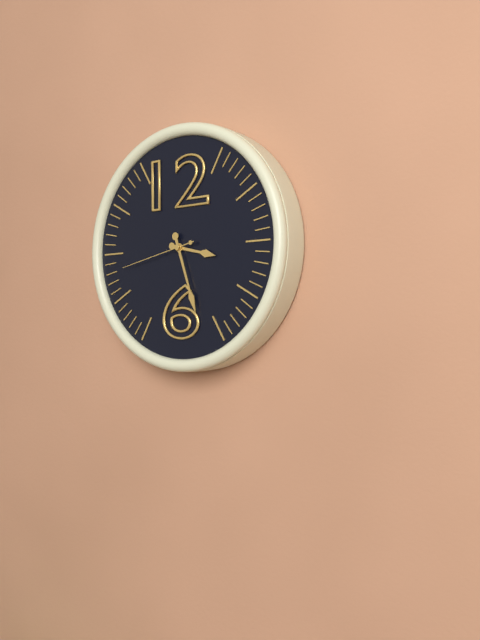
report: 3h27m43s
